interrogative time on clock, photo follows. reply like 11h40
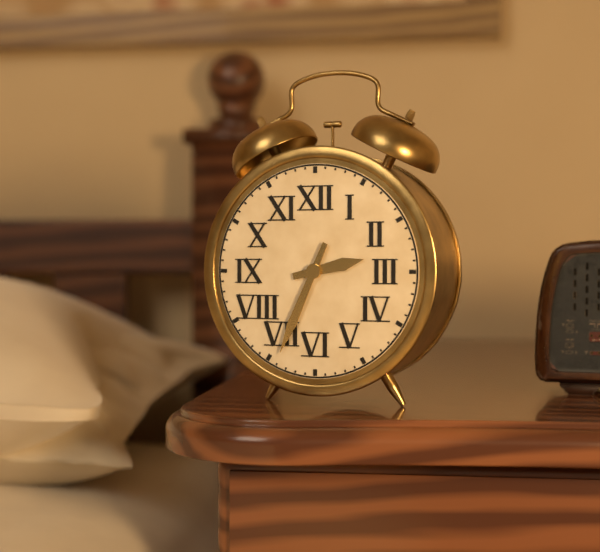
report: 2h34
